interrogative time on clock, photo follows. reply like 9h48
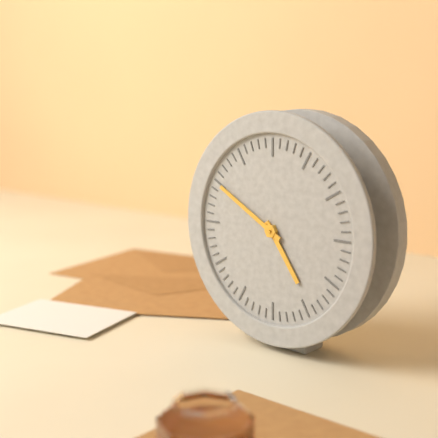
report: 4h50
